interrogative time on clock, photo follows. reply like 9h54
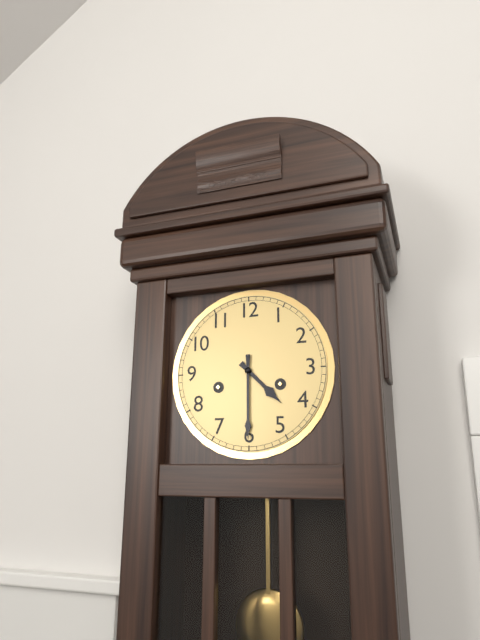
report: 4h30
